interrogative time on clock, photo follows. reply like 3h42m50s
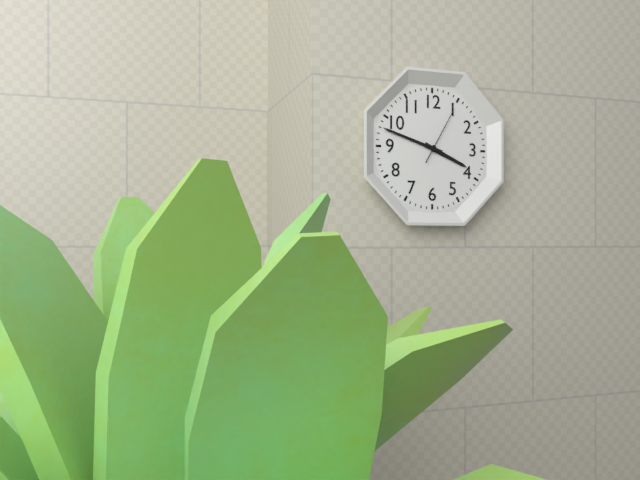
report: 3h48m05s
